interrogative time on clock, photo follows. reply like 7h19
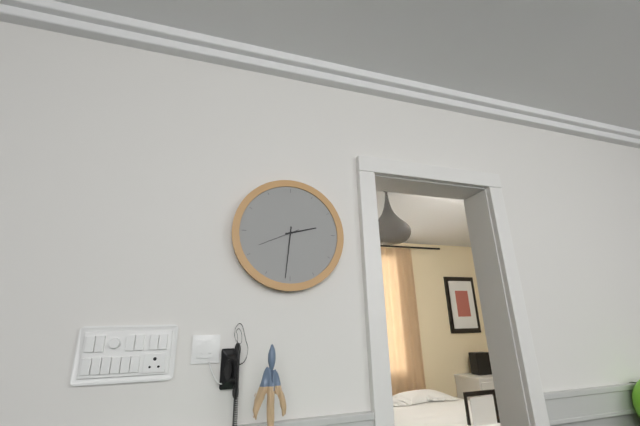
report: 2h31
